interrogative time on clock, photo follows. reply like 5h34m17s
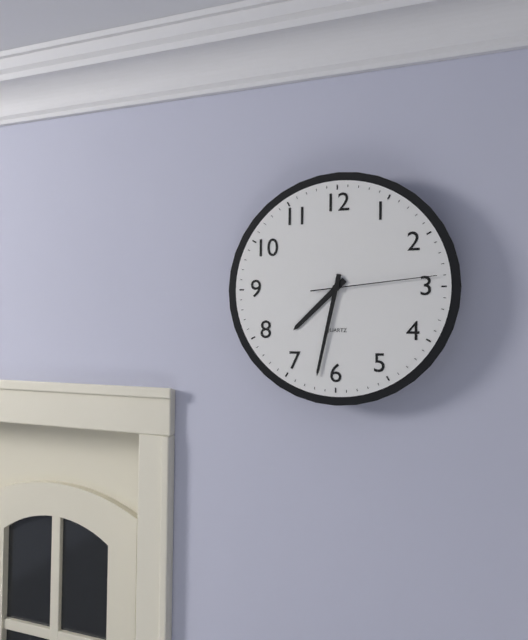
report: 7h32m14s
